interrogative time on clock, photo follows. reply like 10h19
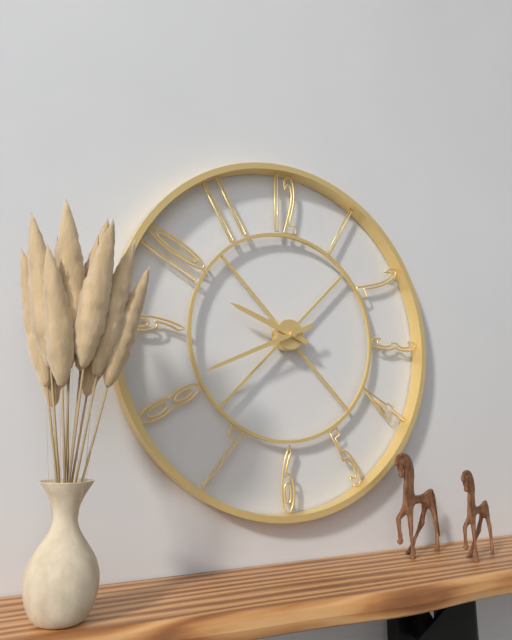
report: 9h41
